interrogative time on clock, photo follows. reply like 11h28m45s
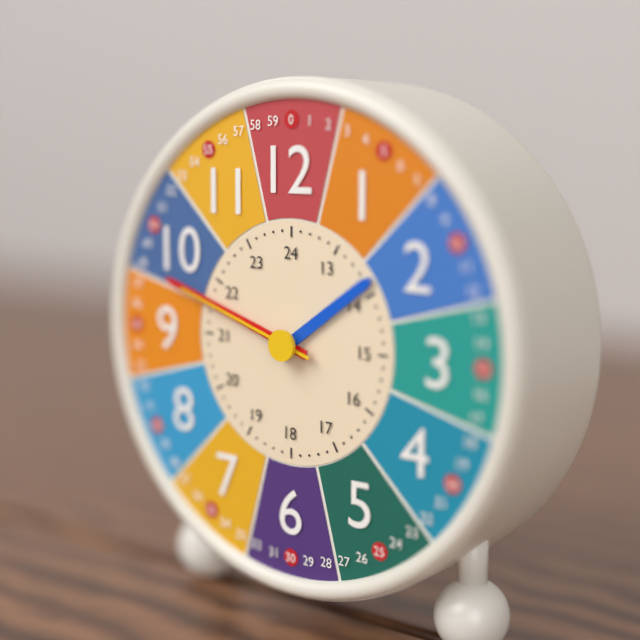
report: 1h48m48s
